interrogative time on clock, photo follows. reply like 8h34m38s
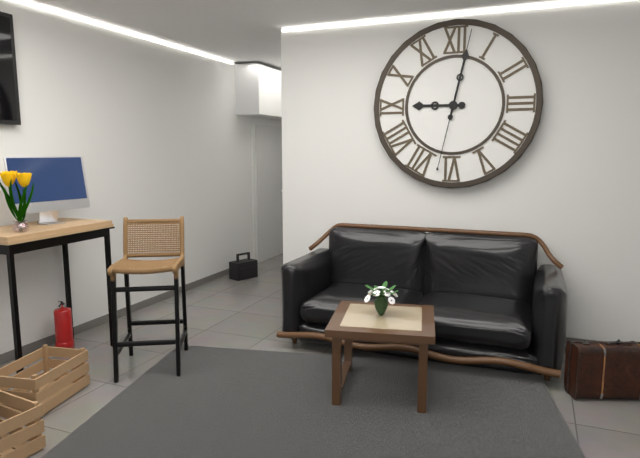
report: 9h02m02s
